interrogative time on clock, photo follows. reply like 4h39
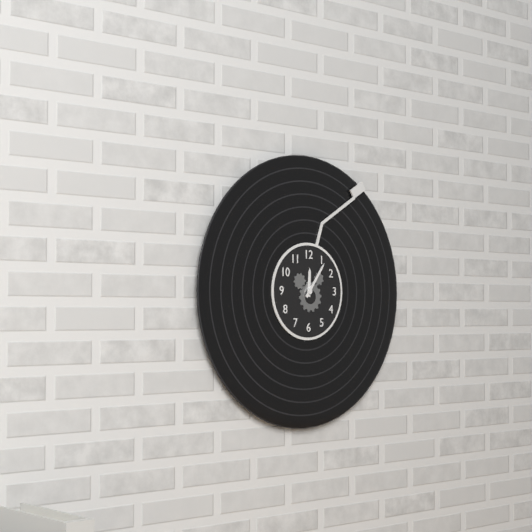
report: 12h06
